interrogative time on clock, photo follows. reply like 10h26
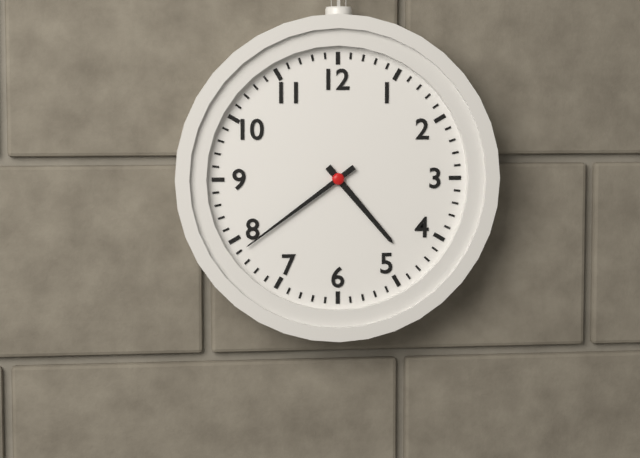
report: 4h39
